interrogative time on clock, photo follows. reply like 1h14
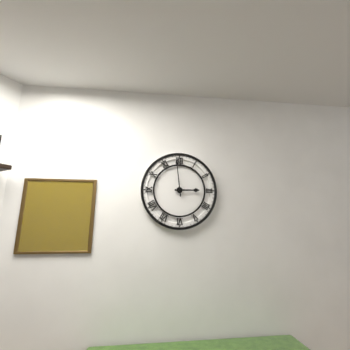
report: 2h59
